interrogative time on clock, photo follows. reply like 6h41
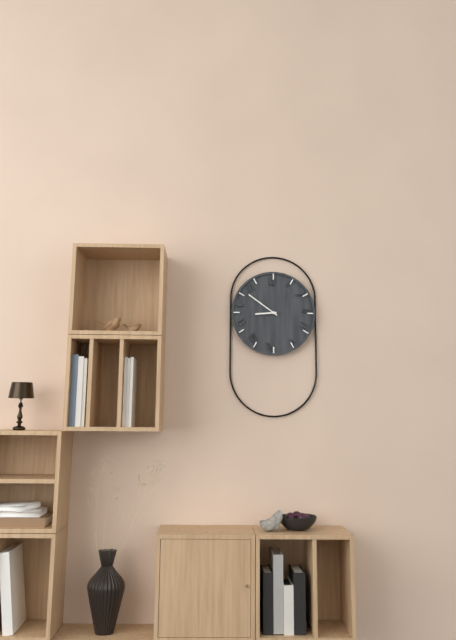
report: 8h51
